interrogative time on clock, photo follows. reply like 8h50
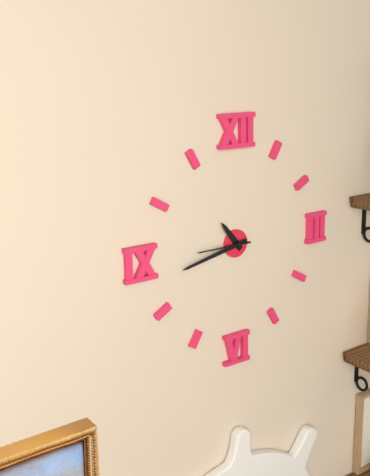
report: 10h43
